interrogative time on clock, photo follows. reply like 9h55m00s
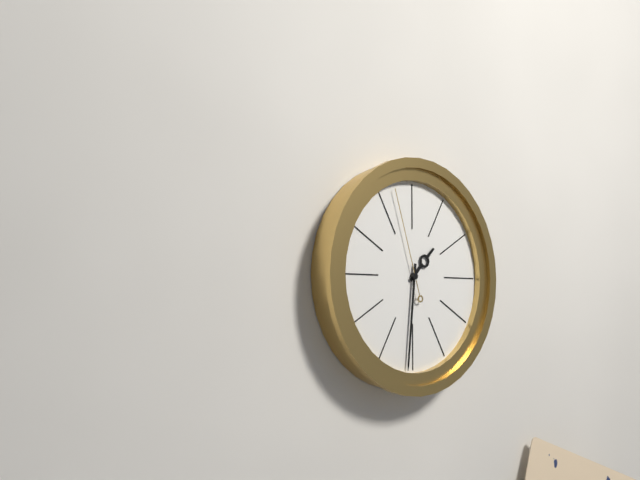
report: 1h31m57s
